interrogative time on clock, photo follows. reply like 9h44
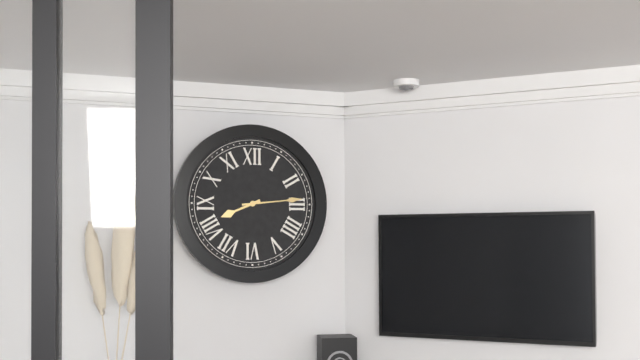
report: 8h14
